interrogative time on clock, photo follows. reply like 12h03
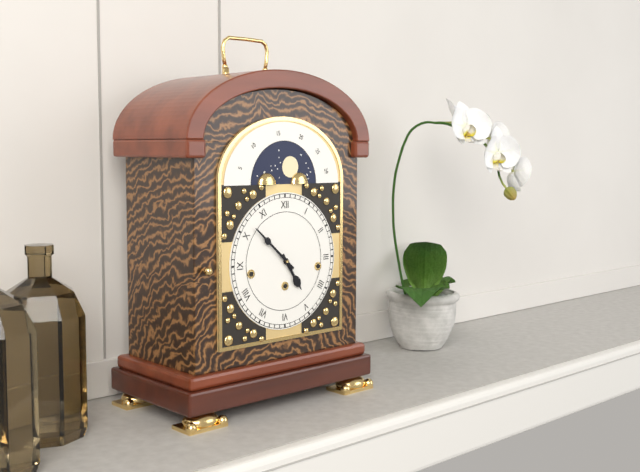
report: 4h52
